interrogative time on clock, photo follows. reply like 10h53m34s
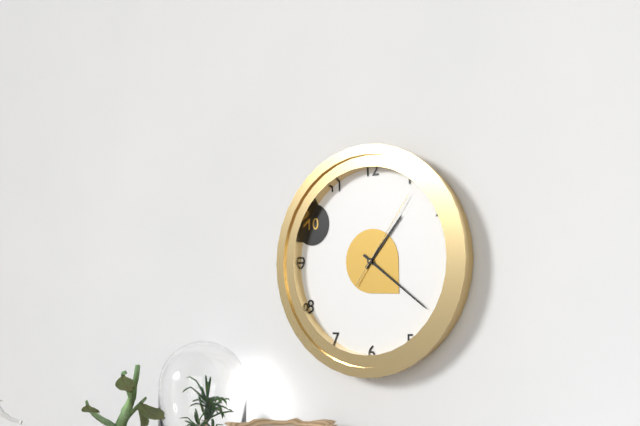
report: 1h21m06s
